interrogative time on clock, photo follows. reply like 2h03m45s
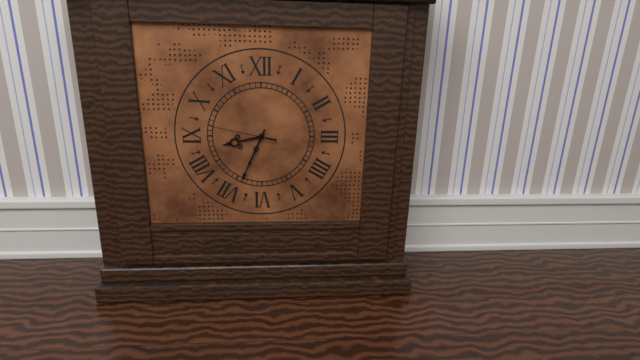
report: 8h34m47s
